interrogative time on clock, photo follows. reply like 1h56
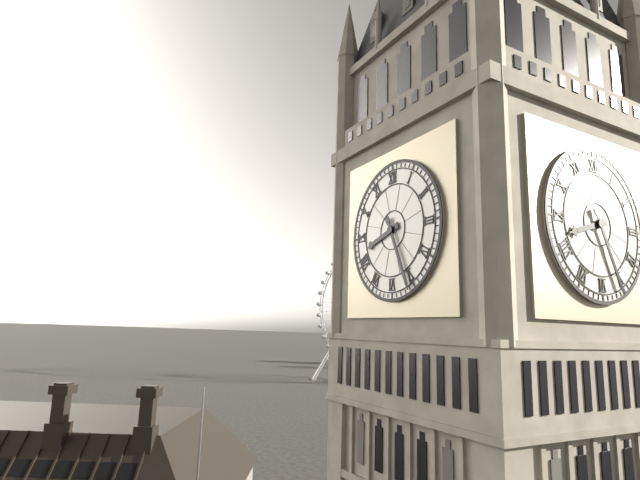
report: 8h26
